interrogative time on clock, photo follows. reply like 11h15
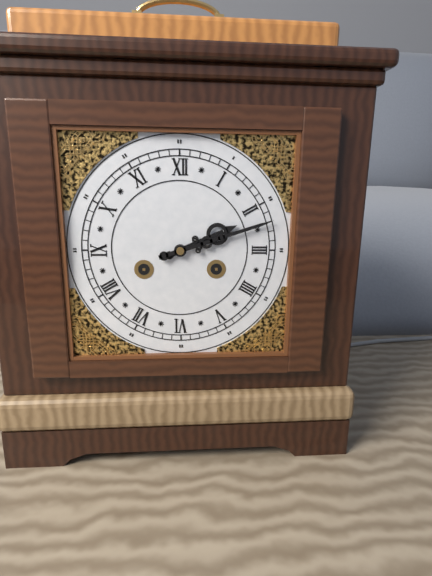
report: 2h12
